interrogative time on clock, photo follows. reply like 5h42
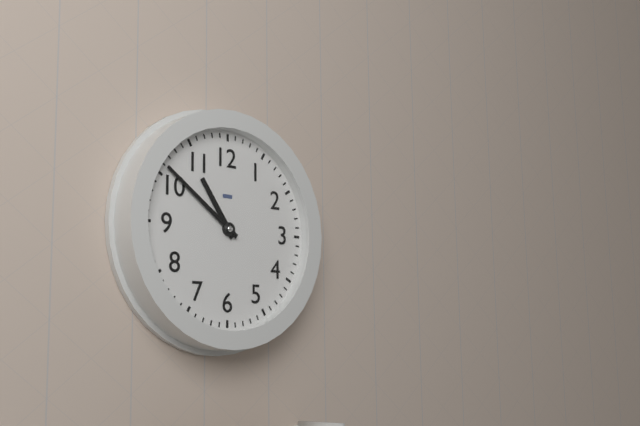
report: 10h51
